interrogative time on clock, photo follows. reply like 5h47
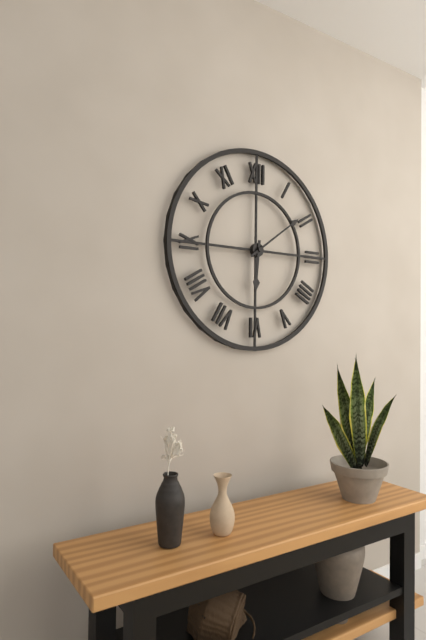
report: 6h09
